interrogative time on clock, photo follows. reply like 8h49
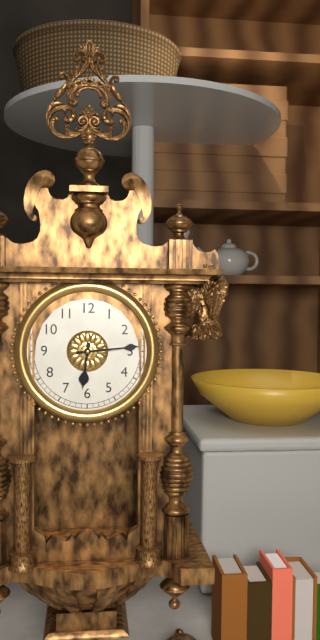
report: 6h14
